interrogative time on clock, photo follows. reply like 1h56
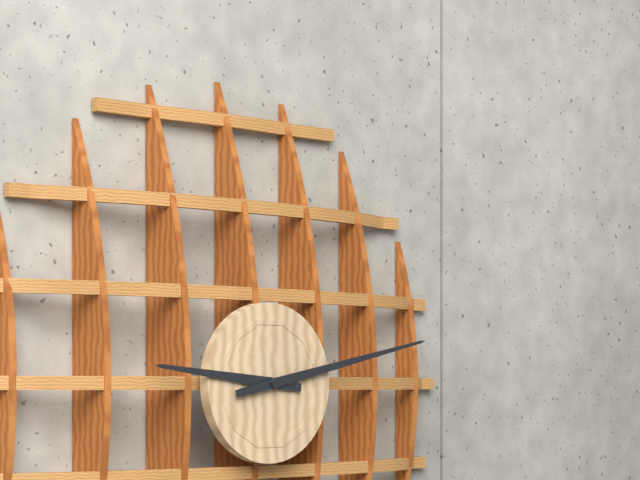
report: 9h13
